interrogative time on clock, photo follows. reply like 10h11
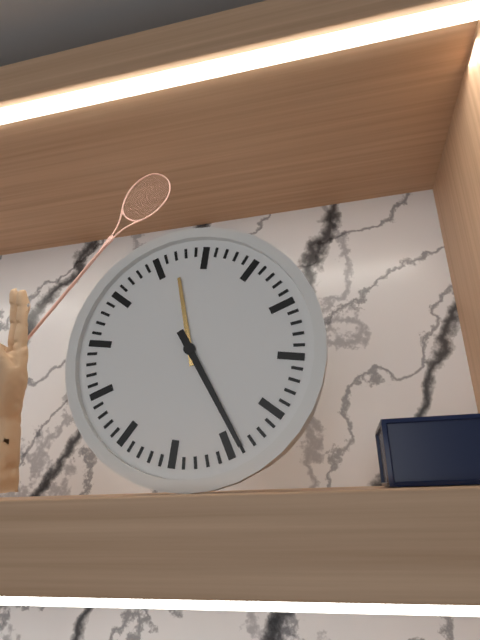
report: 11h24
